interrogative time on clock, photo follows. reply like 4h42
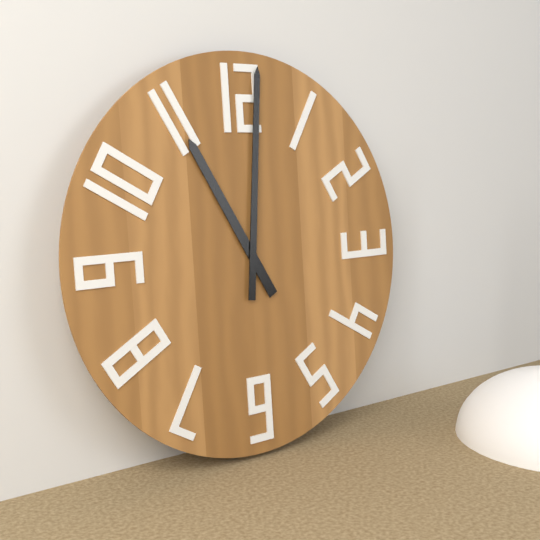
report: 11h01
